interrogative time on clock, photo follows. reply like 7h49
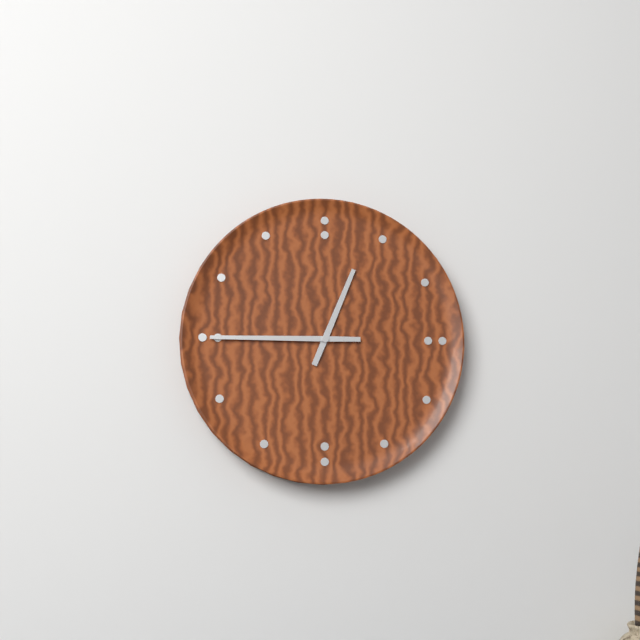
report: 12h45
